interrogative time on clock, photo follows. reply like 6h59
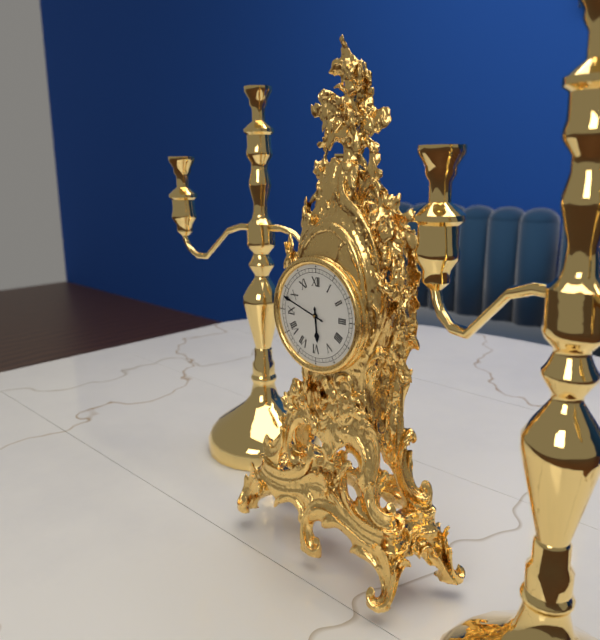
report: 5h48
